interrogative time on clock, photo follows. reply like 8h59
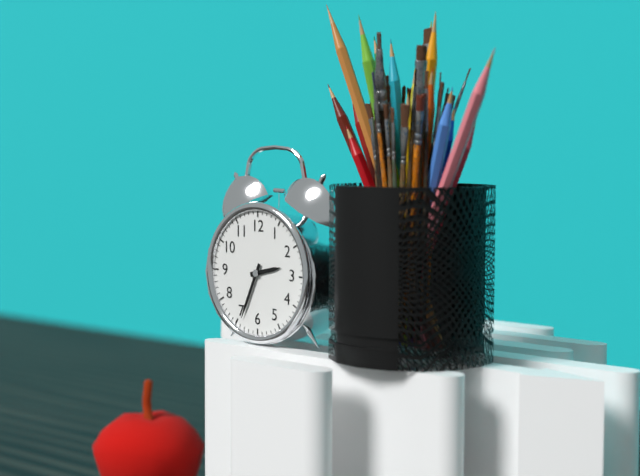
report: 2h34
